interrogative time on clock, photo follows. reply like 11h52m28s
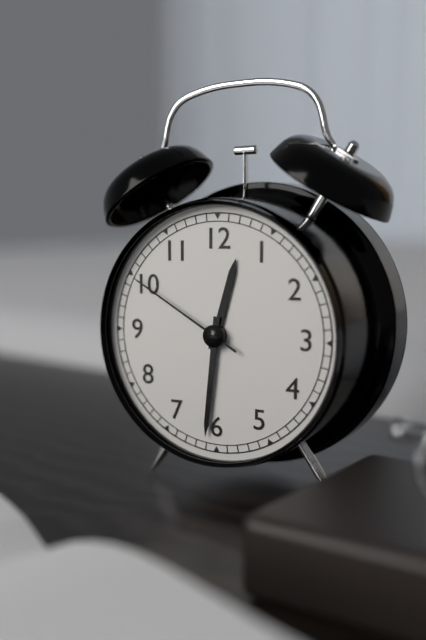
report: 12h31m50s
